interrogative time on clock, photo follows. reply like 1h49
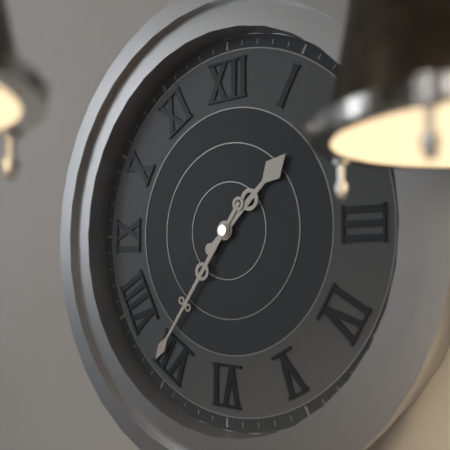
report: 1h36
